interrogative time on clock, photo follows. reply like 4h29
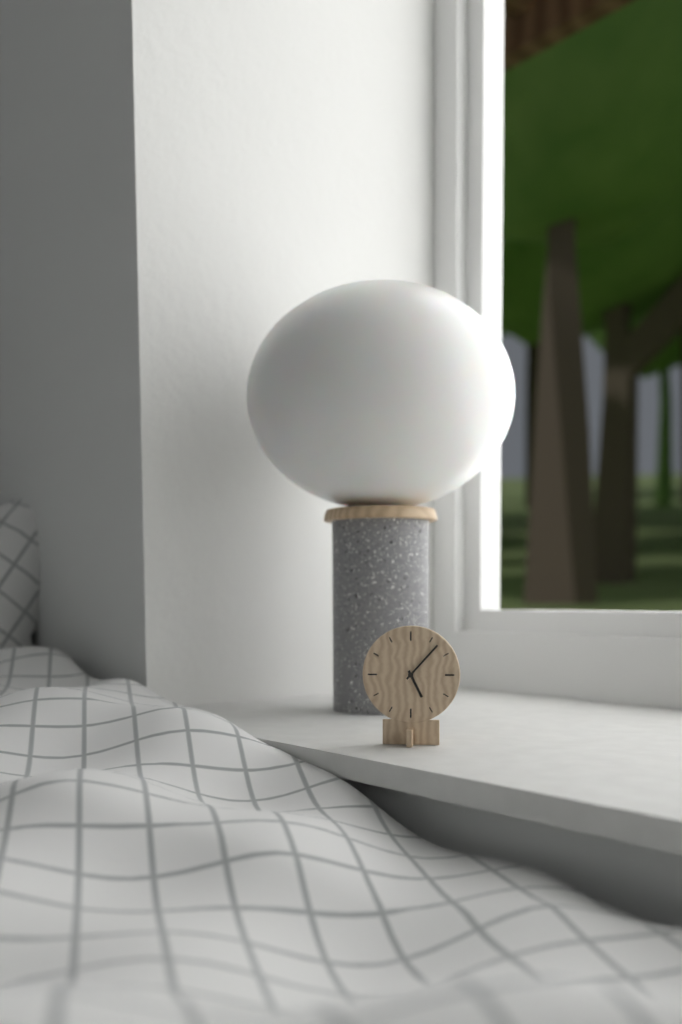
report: 5h07
